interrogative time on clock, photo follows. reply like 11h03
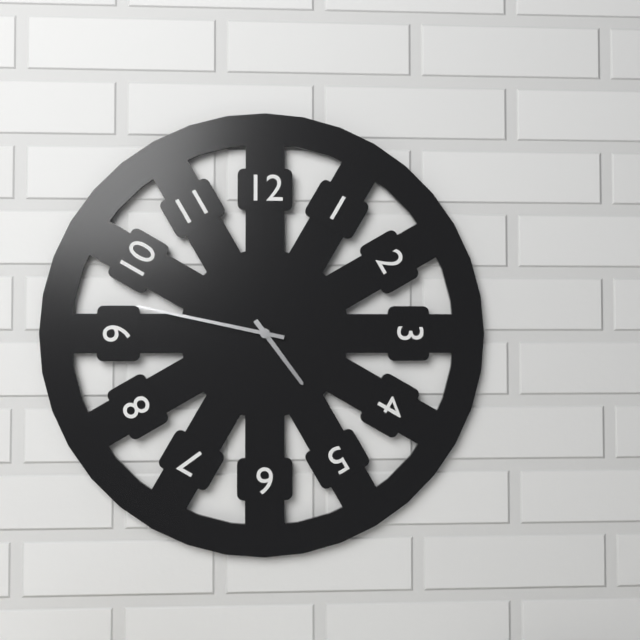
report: 4h47
